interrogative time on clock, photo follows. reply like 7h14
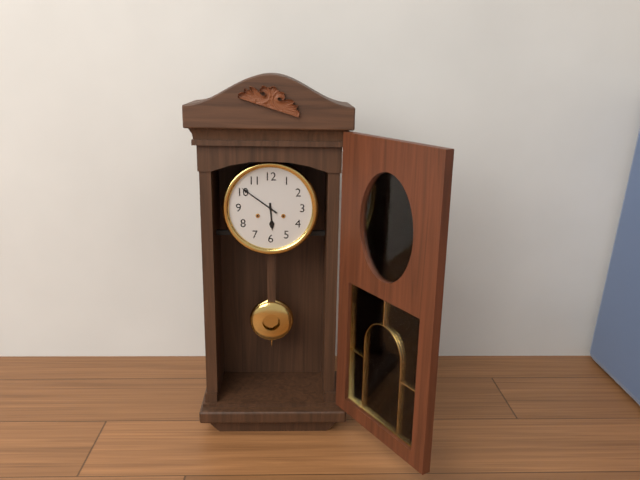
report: 5h51
